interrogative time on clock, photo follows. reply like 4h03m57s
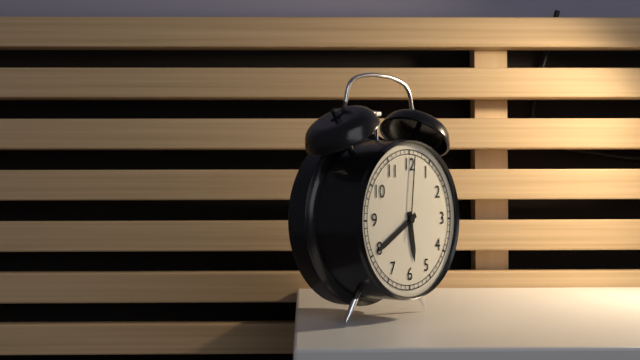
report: 5h40m01s
